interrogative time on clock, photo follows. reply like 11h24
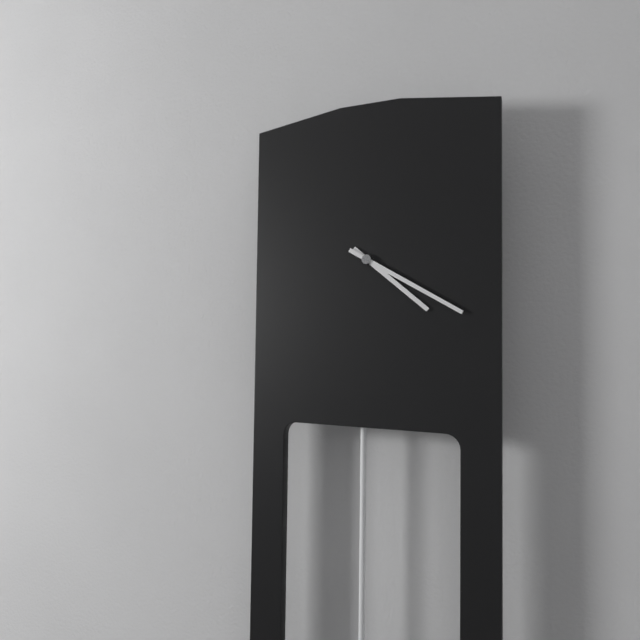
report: 4h20
